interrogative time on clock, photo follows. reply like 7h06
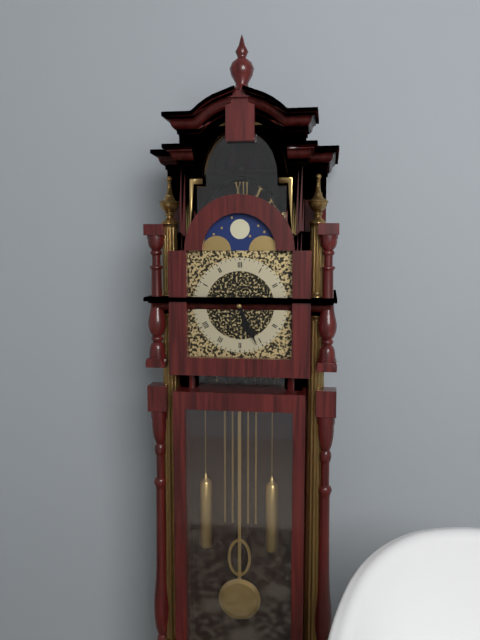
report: 5h26
